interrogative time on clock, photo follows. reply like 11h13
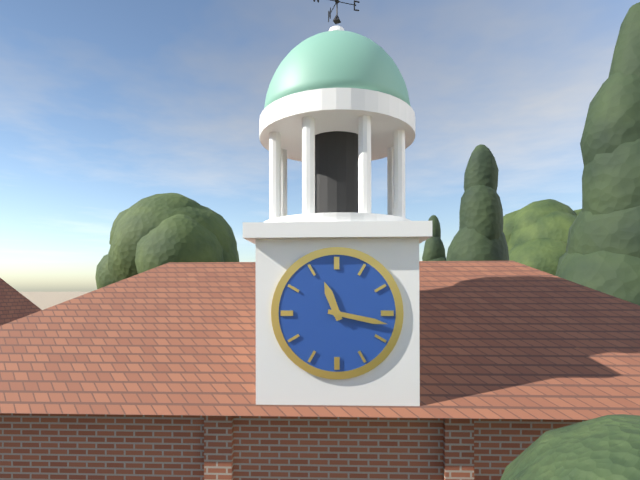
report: 11h17
